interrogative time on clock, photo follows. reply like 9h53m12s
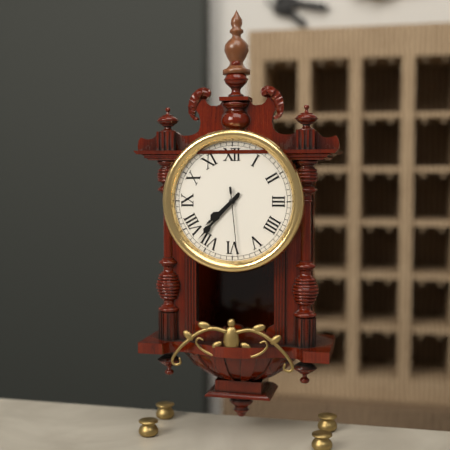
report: 7h37m29s
